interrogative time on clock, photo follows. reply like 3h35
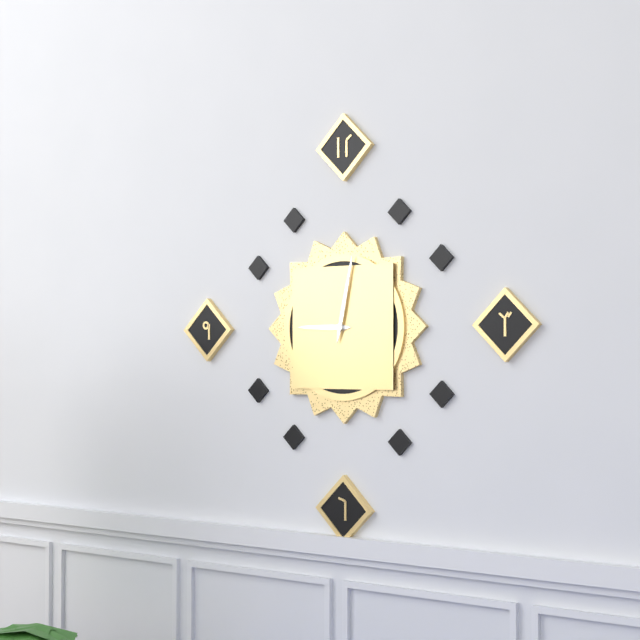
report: 9h02
